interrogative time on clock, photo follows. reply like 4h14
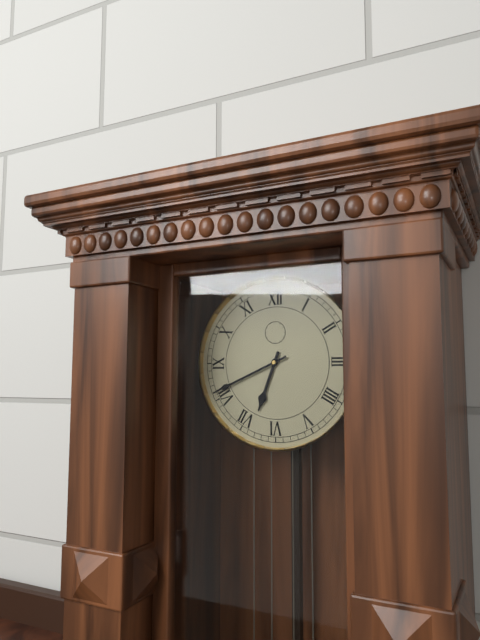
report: 6h41
